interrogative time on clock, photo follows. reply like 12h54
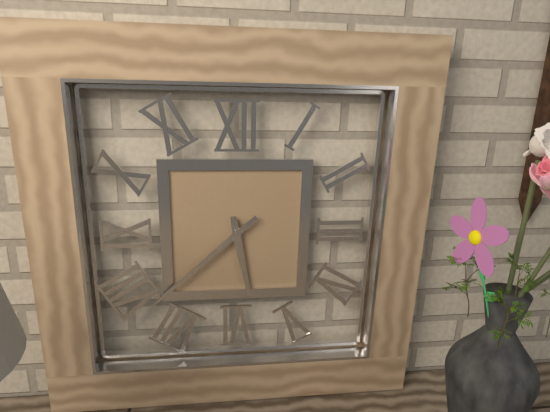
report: 5h38
